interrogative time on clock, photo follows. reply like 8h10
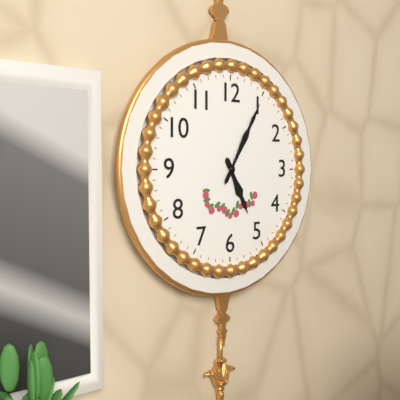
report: 5h05
